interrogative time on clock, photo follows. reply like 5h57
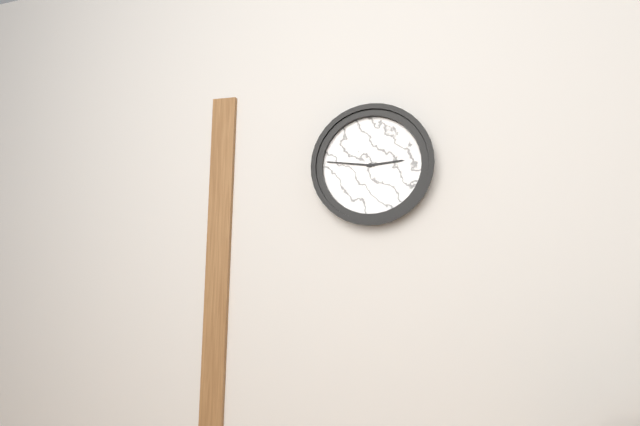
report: 2h46
